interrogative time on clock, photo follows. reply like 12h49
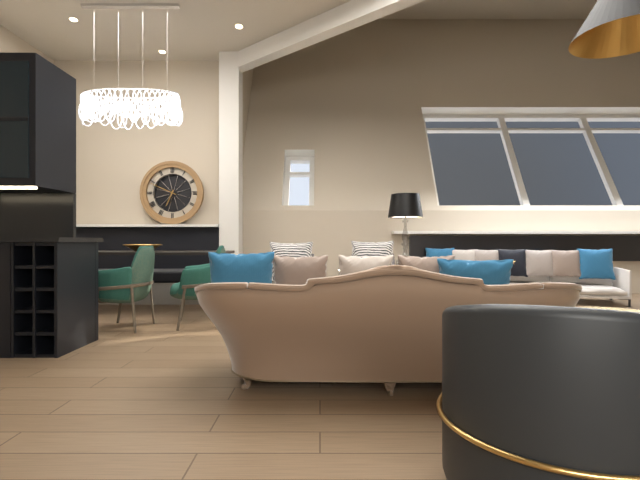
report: 6h49
